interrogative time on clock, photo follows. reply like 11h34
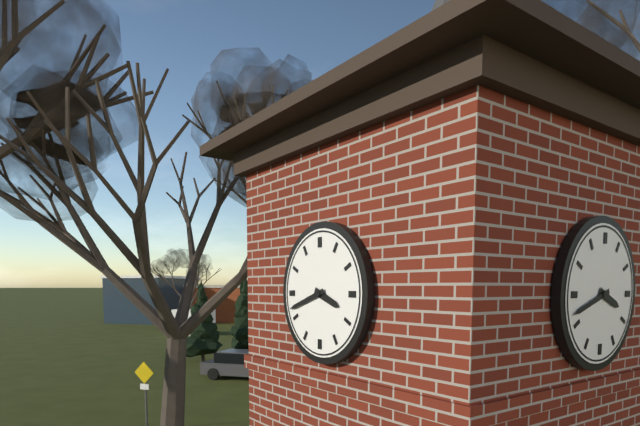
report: 3h42
